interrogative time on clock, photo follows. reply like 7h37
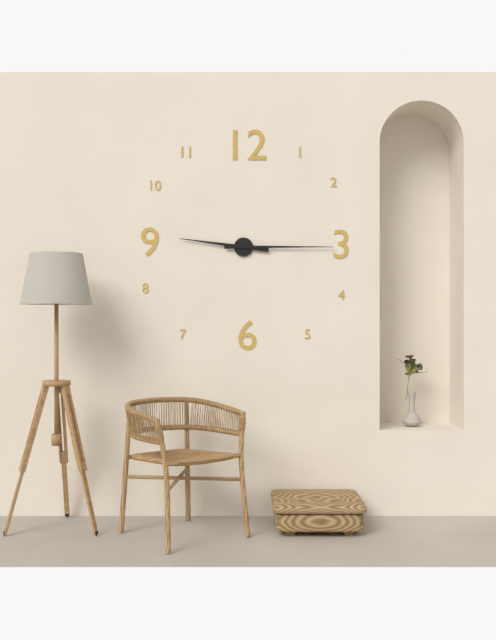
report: 9h15
